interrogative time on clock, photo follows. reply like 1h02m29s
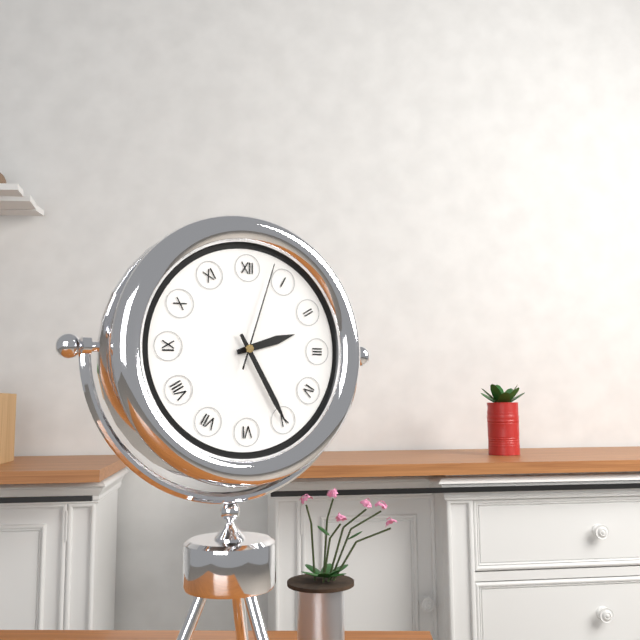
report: 2h25m03s
